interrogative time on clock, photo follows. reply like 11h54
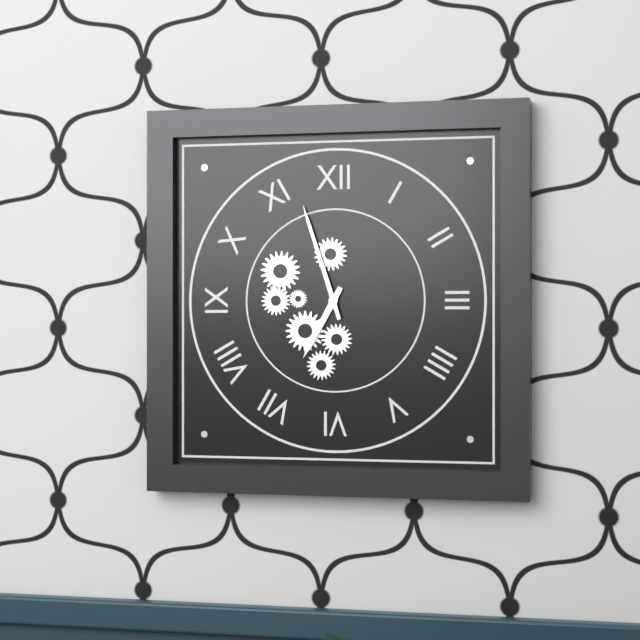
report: 6h57
